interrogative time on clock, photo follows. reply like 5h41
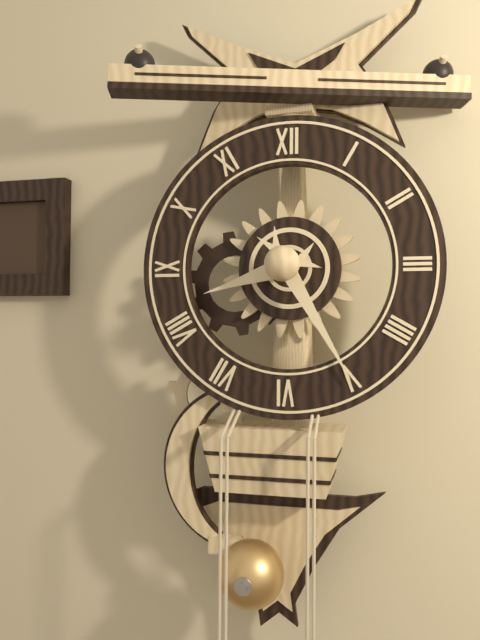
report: 8h25
